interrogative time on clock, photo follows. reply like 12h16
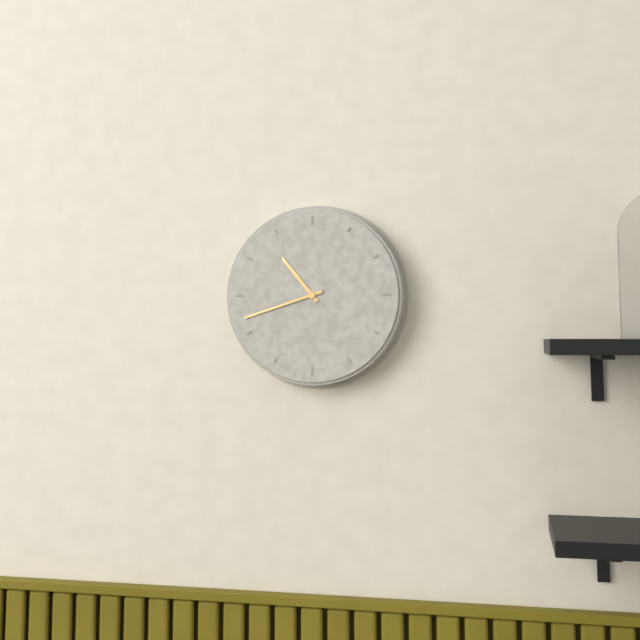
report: 10h42
